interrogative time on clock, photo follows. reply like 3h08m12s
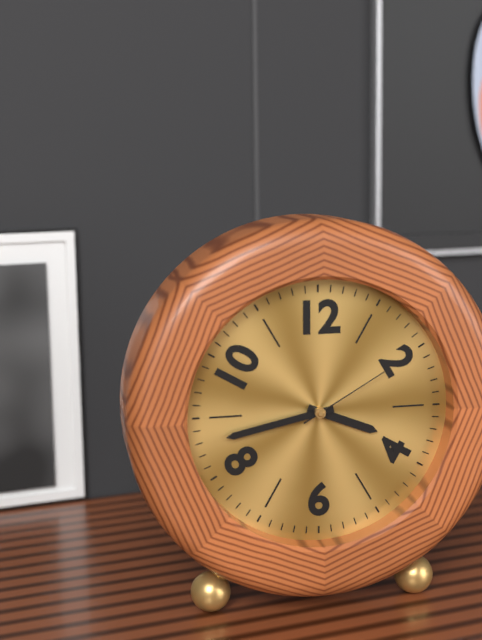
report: 3h43m10s
